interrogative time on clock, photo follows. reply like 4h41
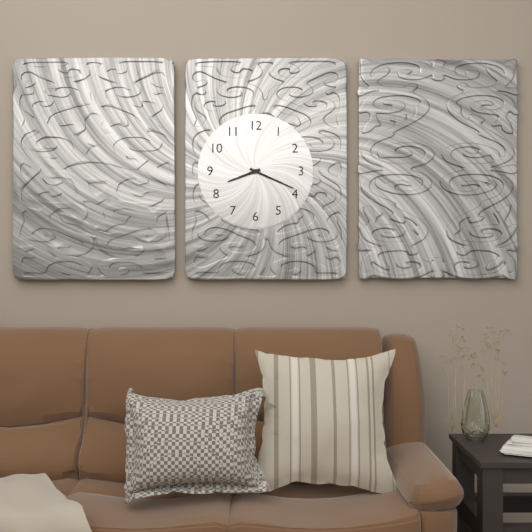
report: 8h19
